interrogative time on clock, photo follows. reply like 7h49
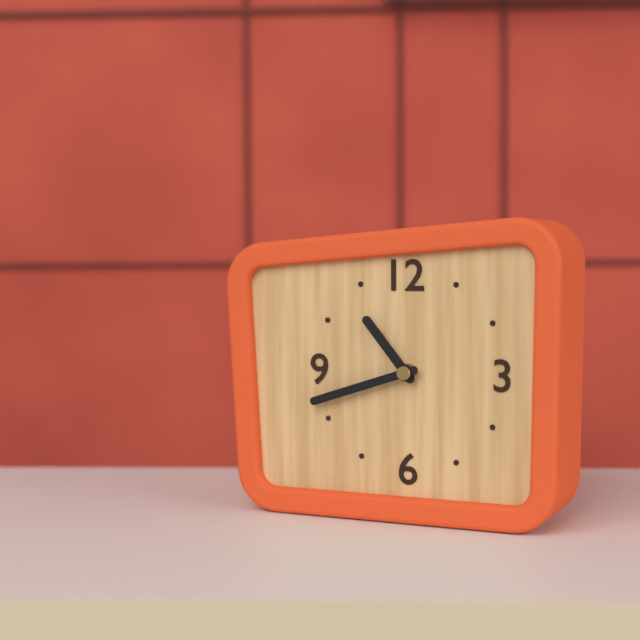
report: 10h42
